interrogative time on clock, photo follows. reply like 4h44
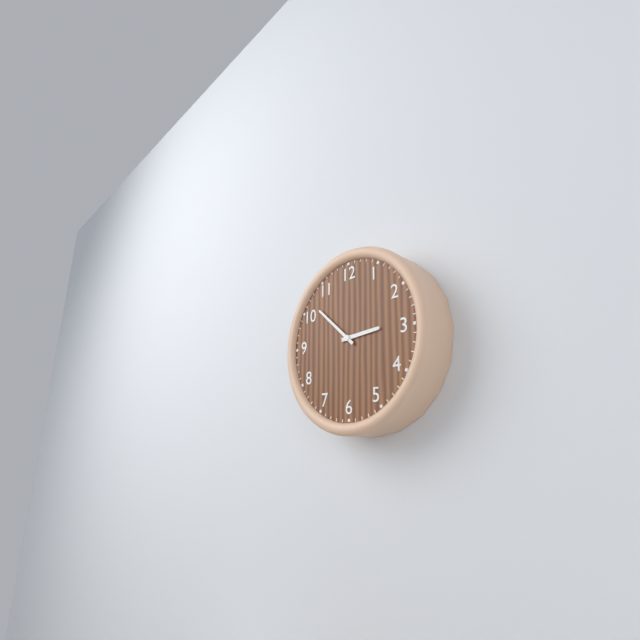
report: 2h52
